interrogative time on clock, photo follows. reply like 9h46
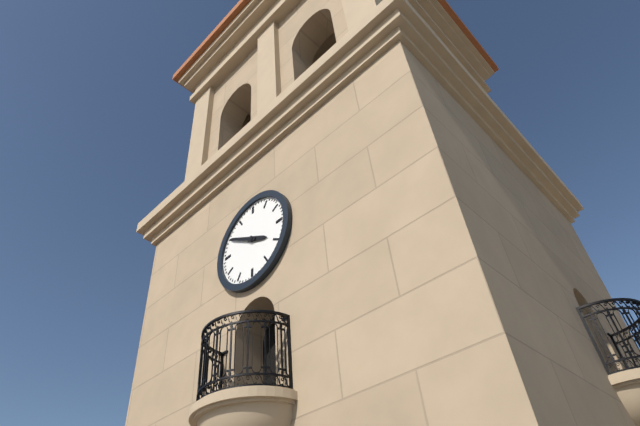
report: 3h50
